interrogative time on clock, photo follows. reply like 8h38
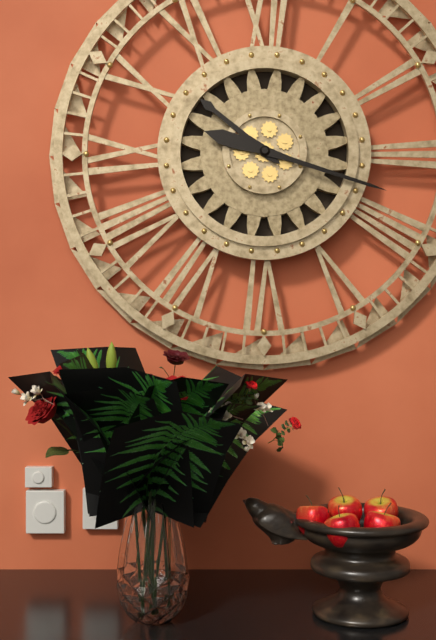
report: 10h18
